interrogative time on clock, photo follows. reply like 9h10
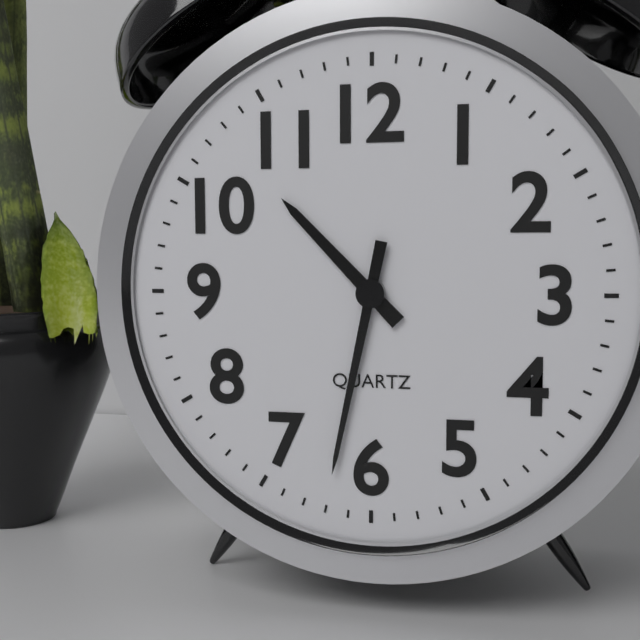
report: 10h32
